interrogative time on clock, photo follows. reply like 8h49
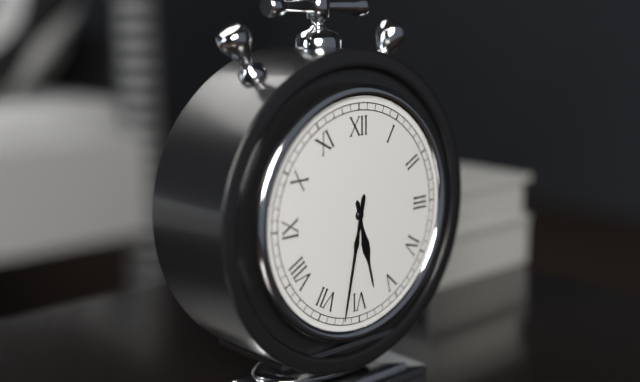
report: 5h32
